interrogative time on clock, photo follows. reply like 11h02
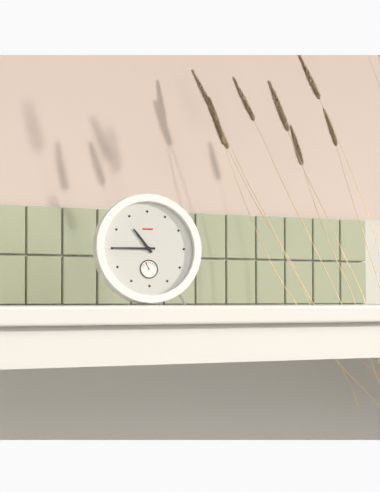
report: 10h45
